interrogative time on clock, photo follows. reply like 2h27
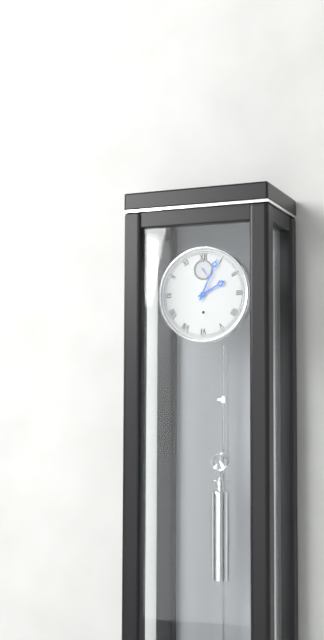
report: 2h04
